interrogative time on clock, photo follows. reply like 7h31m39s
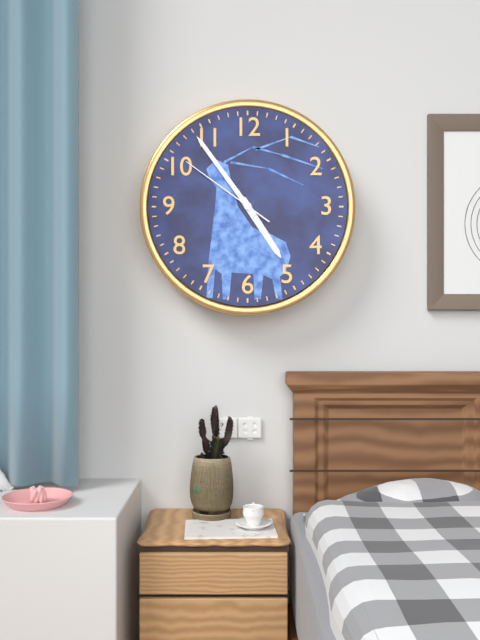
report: 4h54m51s
